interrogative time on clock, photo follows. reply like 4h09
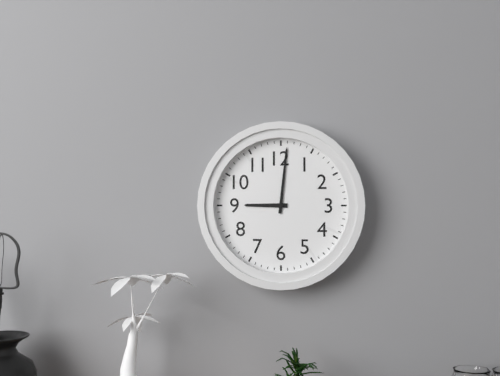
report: 9h01
